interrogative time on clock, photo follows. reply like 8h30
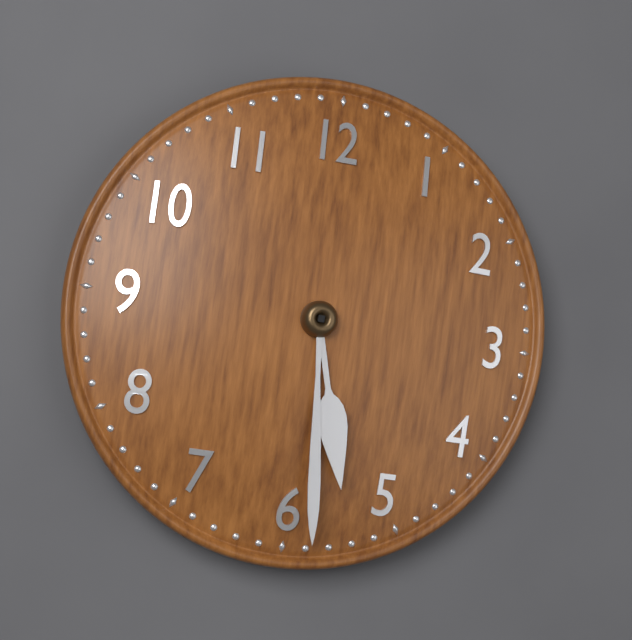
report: 5h29
